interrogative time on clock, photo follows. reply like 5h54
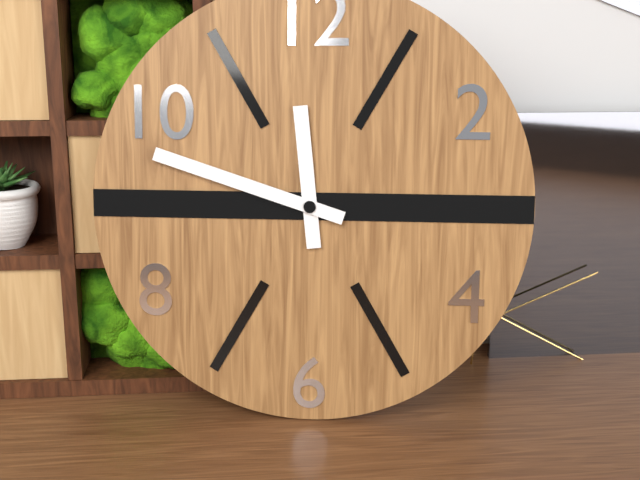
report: 11h48
